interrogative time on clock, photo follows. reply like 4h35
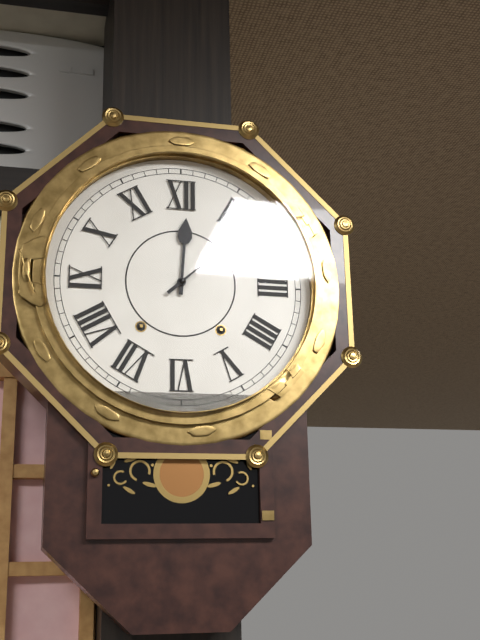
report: 12h08
